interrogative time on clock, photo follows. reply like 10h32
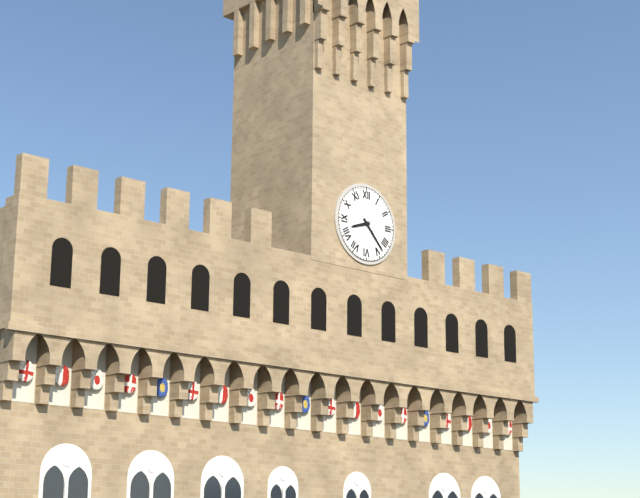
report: 8h23
